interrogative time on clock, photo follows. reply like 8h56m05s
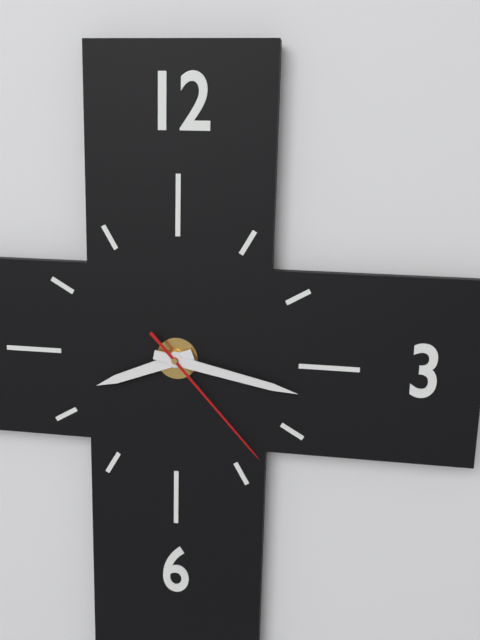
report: 8h17m23s
